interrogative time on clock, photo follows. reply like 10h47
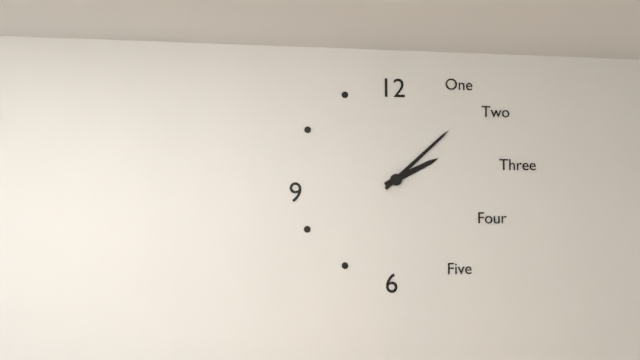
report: 2h08
